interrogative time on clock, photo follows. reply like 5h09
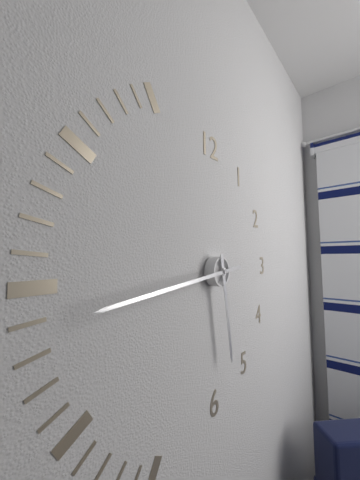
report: 5h44
